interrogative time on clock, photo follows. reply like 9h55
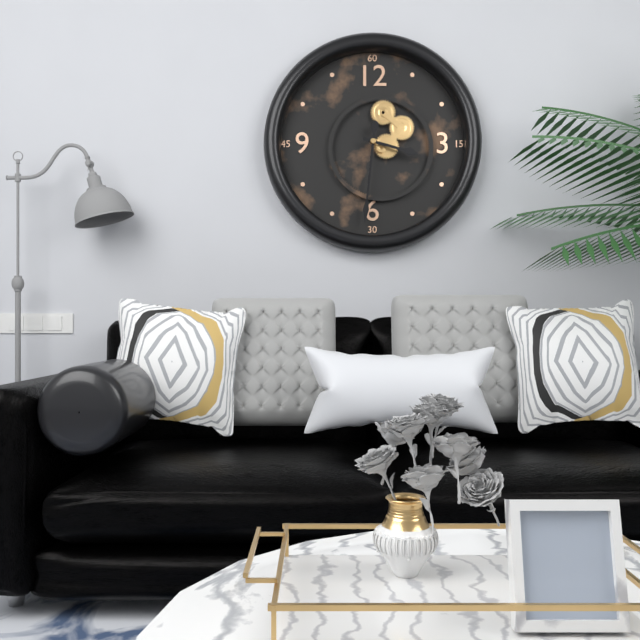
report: 3h31
